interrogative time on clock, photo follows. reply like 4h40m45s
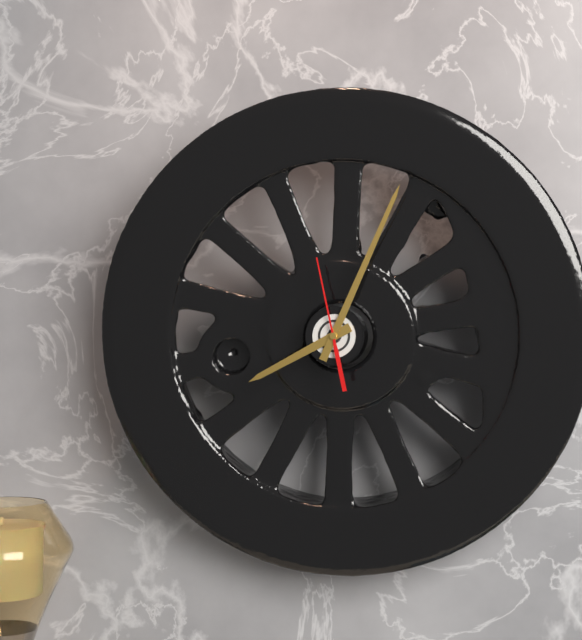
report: 8h04m58s
